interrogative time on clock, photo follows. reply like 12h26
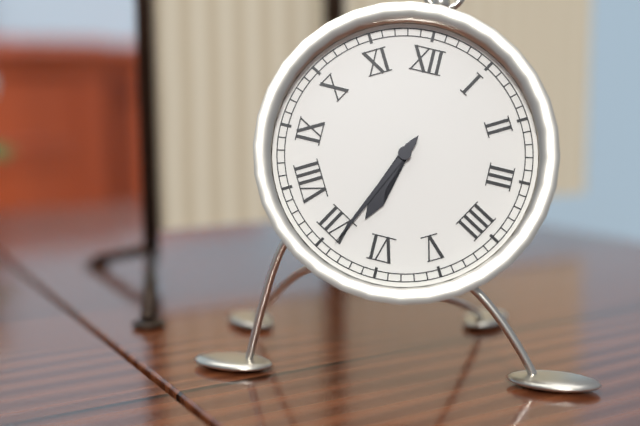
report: 6h34
